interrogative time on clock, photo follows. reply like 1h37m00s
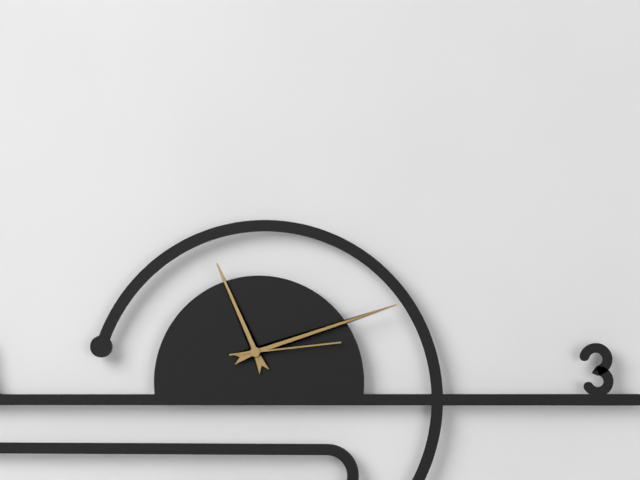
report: 11h12m14s
